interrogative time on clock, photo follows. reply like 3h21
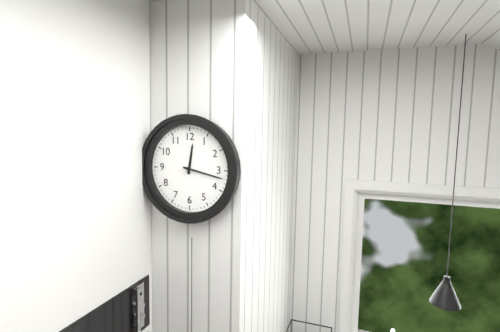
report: 12h17
